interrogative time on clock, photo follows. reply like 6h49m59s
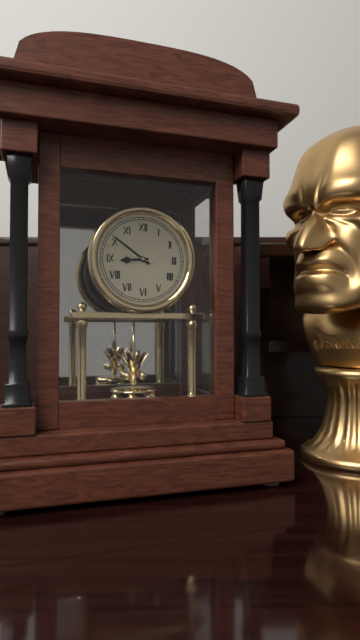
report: 8h51m48s
